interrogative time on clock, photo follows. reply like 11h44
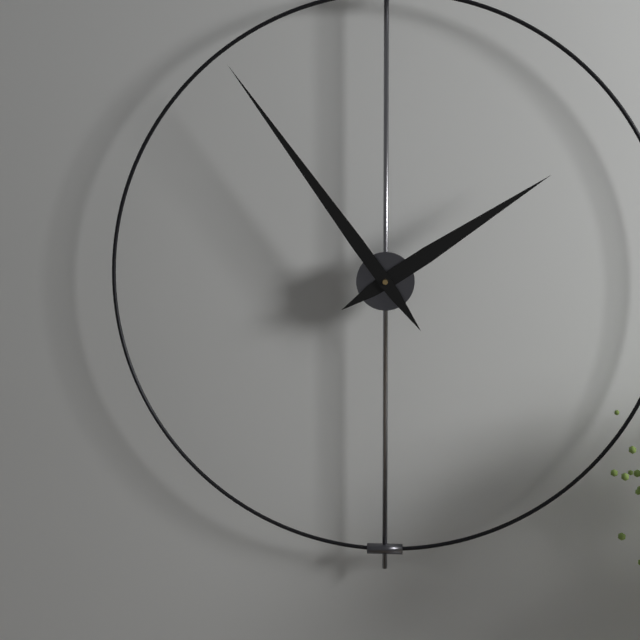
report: 1h54
